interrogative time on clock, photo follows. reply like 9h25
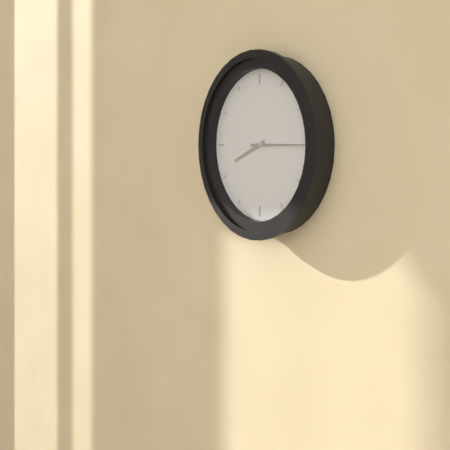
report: 8h15
